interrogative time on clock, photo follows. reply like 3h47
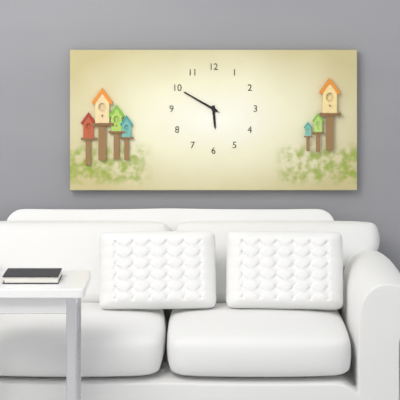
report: 5h50
